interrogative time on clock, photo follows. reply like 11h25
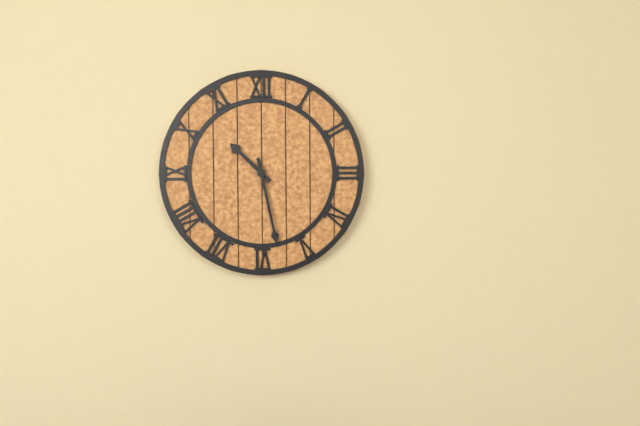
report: 10h28
